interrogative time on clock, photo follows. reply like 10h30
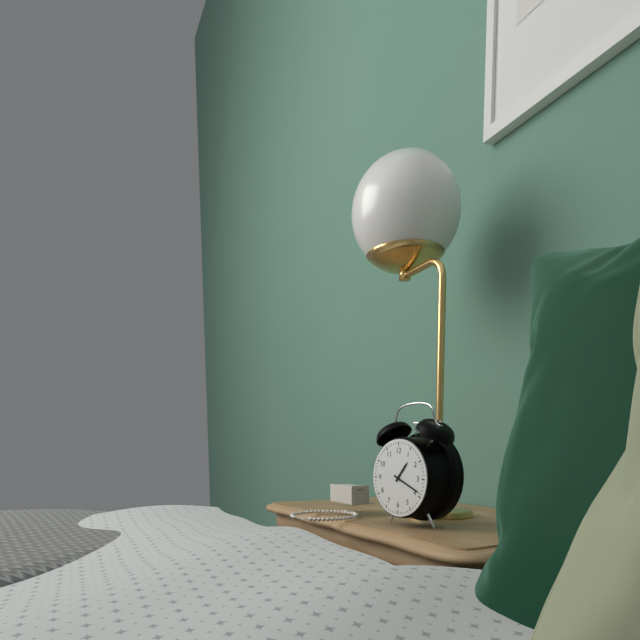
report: 1h19
